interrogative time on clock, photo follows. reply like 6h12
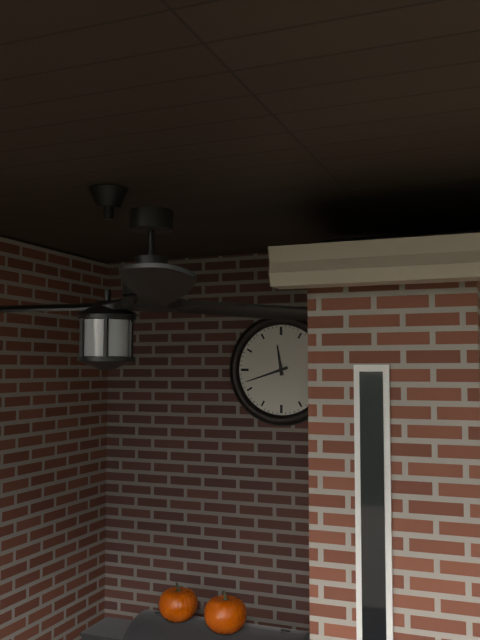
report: 11h42
